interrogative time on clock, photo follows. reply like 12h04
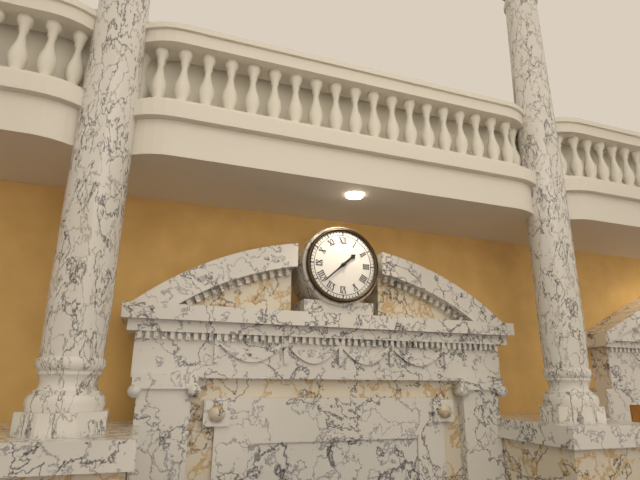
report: 1h38
